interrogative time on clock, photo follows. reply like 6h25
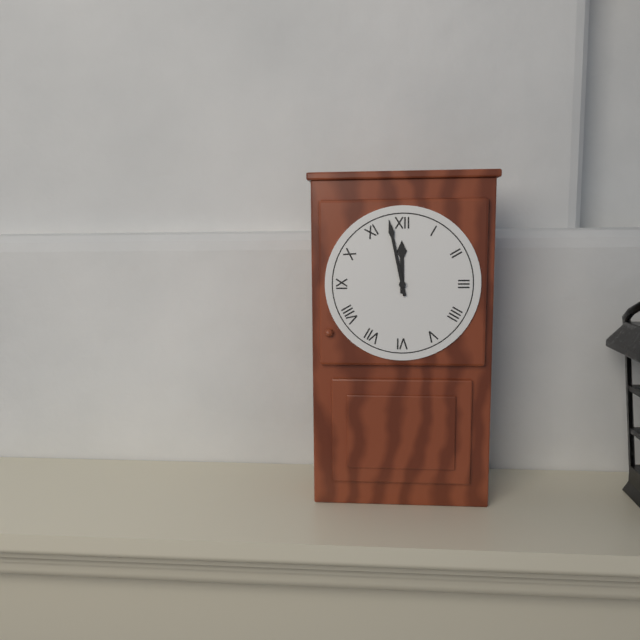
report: 11h58
